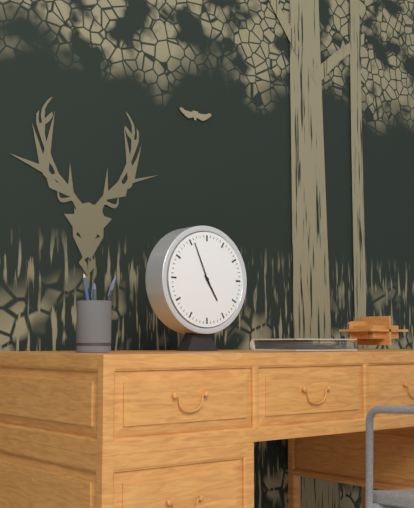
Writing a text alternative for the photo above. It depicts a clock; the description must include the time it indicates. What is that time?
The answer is 4:56
